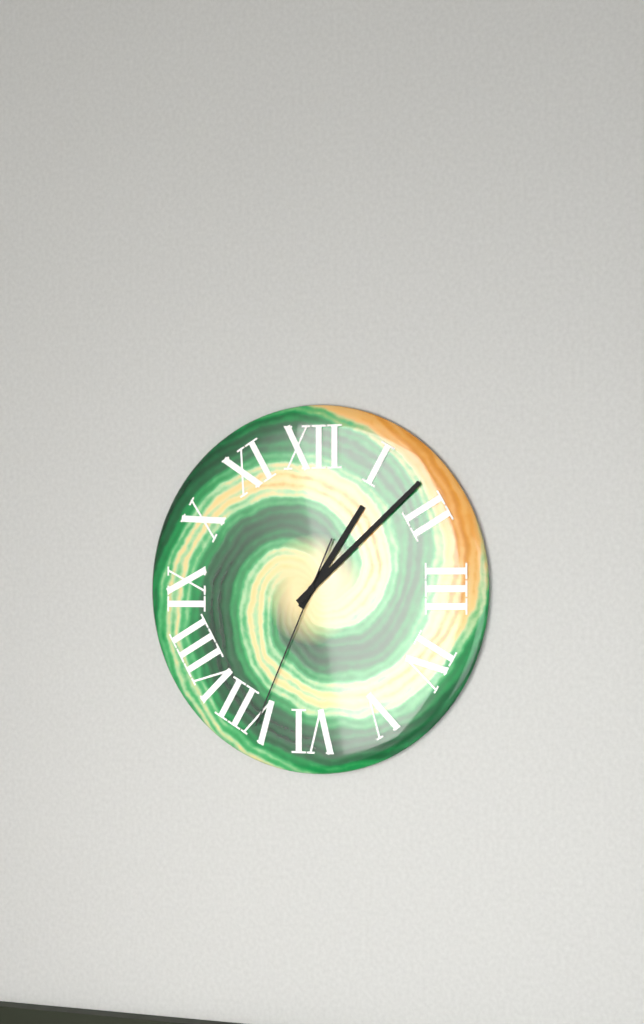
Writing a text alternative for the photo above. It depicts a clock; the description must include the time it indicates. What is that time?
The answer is 1:08:34
